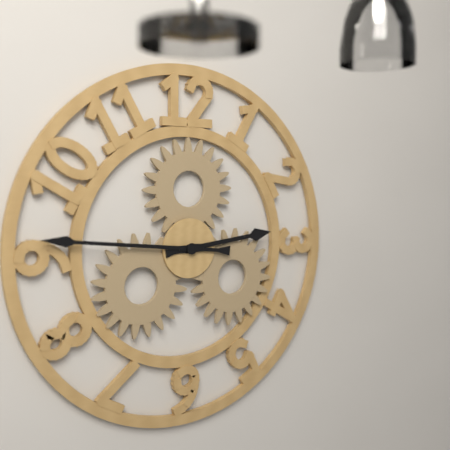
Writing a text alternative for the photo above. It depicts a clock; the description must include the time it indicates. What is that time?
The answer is 2:46
